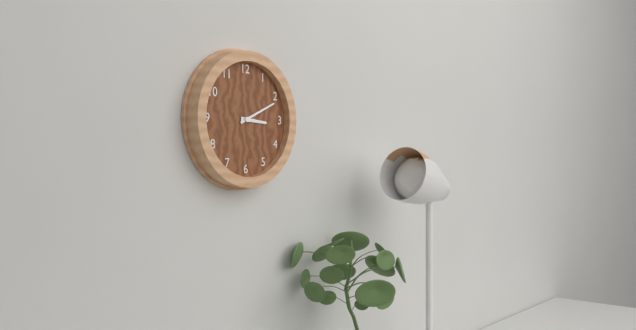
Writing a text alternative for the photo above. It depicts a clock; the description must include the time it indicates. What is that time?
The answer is 3:11
